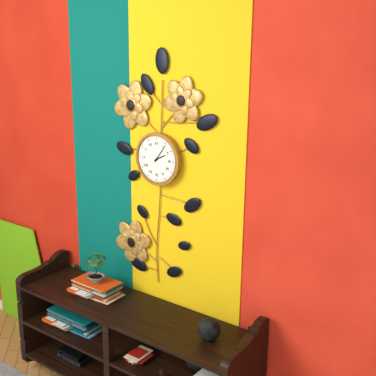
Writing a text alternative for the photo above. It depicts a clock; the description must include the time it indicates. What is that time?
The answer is 2:06
